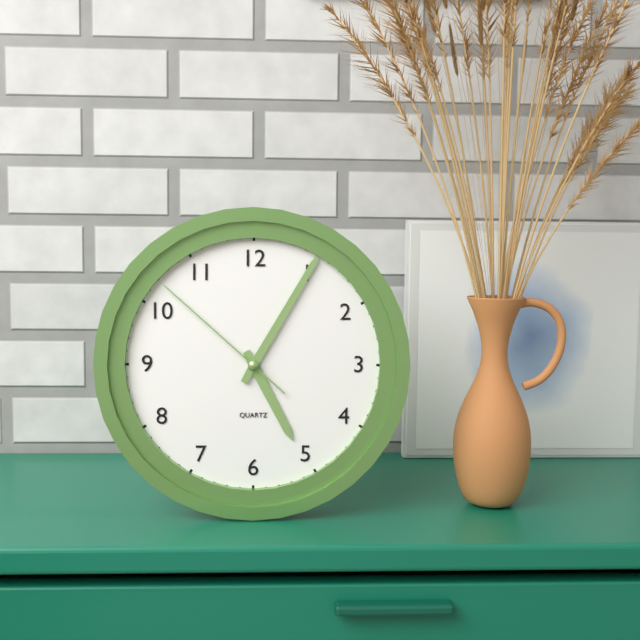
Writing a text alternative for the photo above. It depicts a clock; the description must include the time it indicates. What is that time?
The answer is 5:05:52
